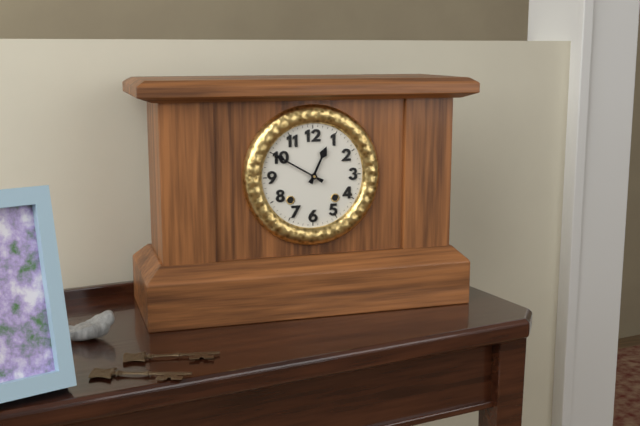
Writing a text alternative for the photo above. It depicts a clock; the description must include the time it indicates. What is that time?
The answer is 12:50
